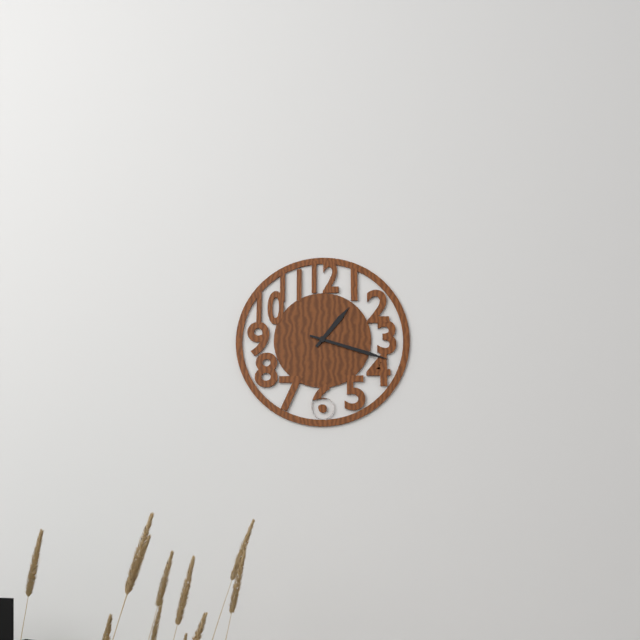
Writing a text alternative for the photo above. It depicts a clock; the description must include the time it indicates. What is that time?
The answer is 1:18
